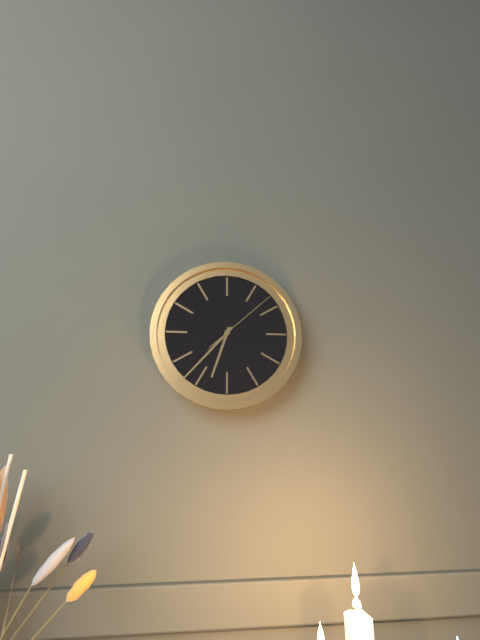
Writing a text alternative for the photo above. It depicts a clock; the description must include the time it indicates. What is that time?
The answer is 6:37:08
